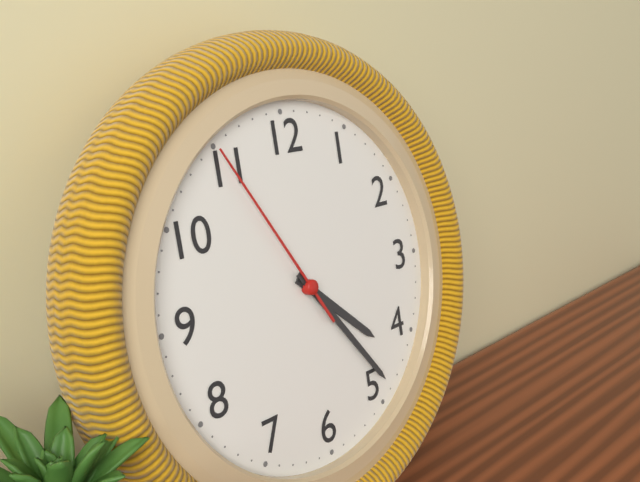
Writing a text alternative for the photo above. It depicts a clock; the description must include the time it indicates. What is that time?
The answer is 4:24:55
